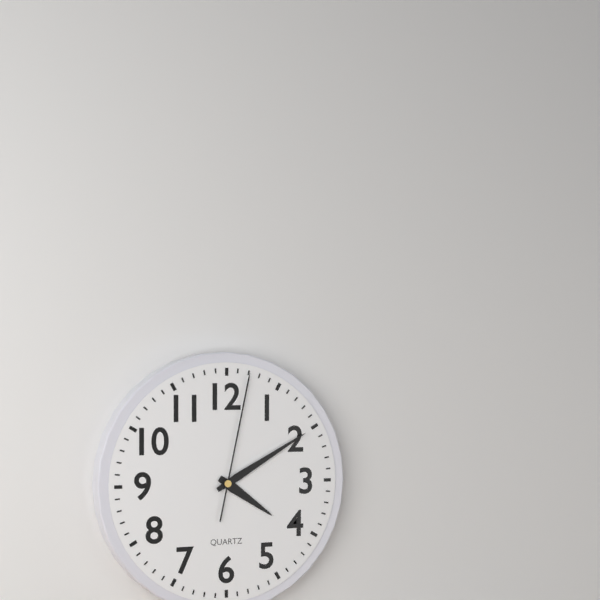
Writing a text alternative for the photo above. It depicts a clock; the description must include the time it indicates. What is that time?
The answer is 4:10:02
